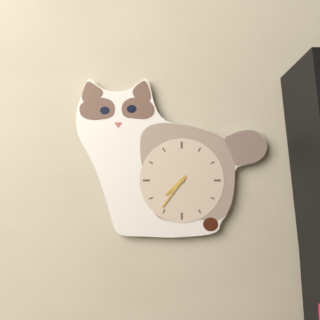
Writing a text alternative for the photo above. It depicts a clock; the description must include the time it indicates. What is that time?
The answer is 7:36
